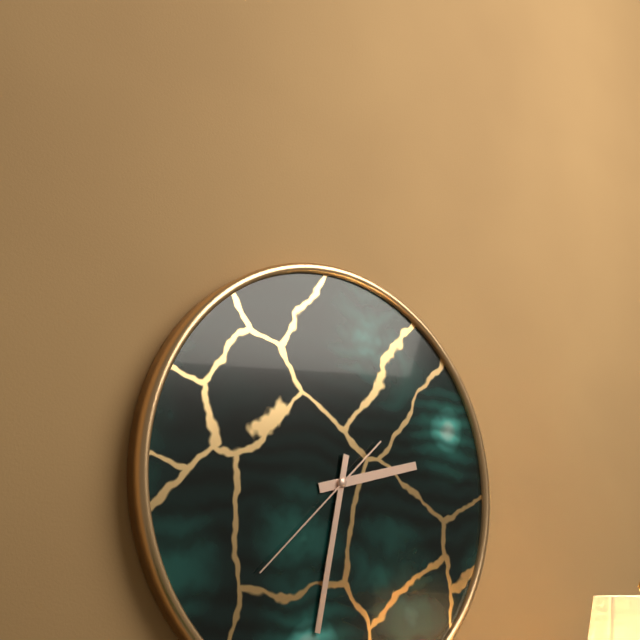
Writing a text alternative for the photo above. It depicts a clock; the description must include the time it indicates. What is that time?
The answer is 2:32:38
